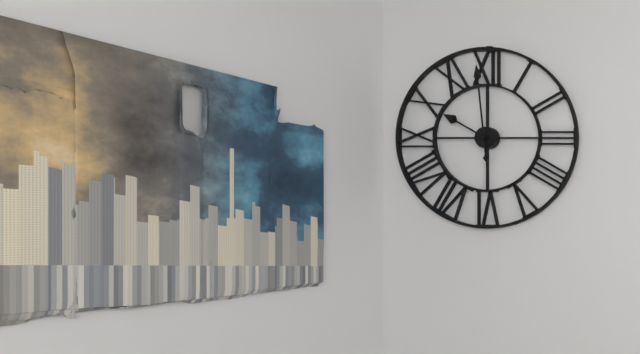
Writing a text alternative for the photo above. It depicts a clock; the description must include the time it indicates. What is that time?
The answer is 9:59
